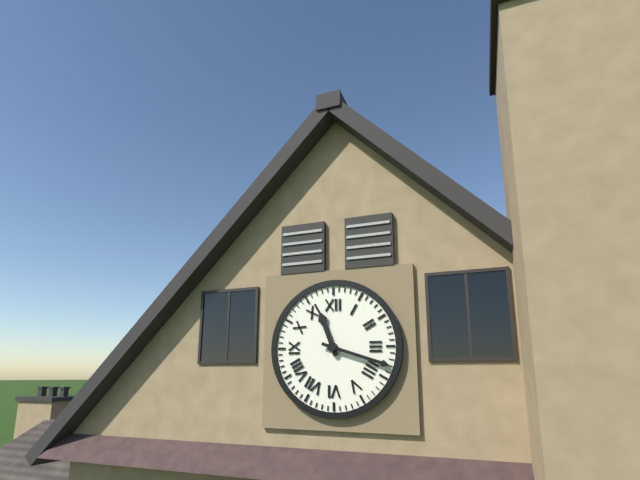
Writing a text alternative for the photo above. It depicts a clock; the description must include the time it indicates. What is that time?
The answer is 11:18
